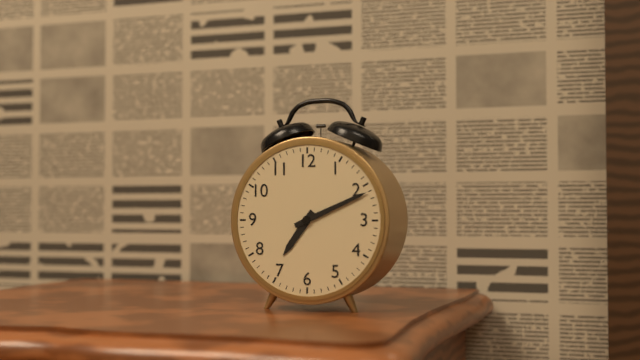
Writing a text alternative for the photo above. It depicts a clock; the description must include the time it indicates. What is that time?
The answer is 7:11
